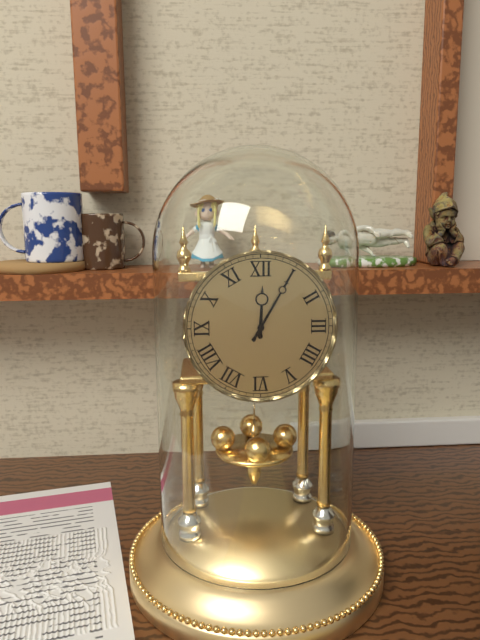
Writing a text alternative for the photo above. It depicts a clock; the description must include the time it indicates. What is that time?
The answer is 12:05
